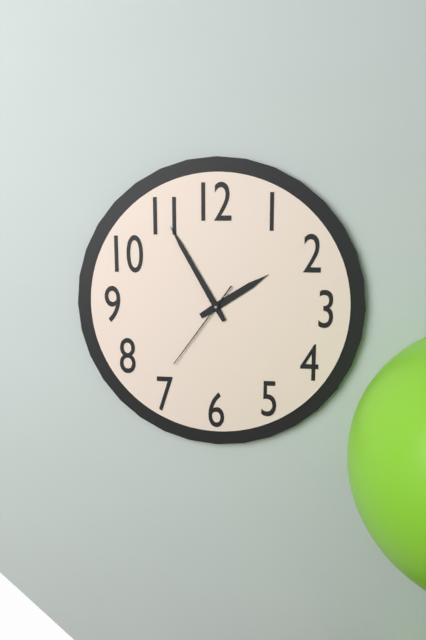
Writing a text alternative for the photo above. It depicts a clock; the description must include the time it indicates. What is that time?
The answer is 1:55:36
